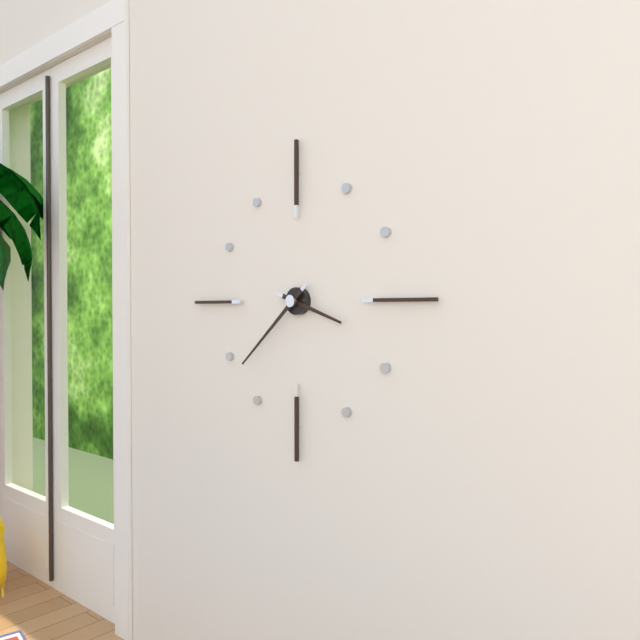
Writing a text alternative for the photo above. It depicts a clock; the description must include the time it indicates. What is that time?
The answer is 3:38
